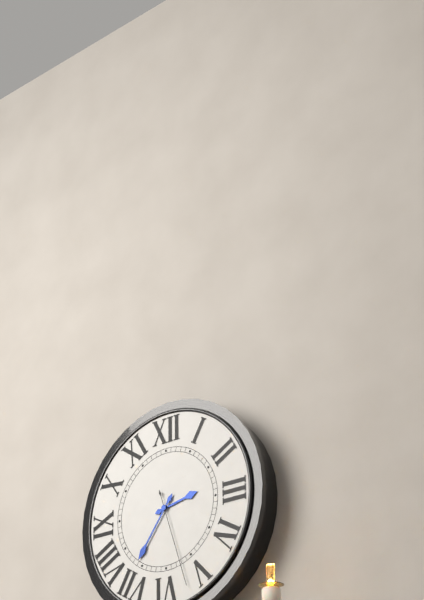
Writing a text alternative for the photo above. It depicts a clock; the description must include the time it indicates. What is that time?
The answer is 2:36:27
